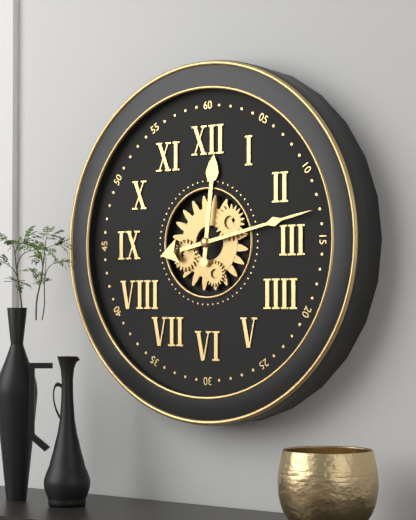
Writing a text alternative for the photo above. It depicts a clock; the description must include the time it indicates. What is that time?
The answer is 12:13
